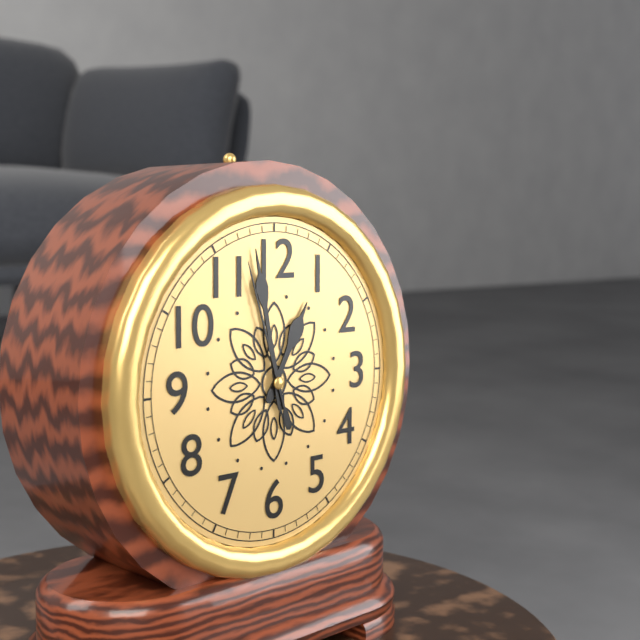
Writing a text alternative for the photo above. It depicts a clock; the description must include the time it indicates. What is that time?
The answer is 12:58:57
